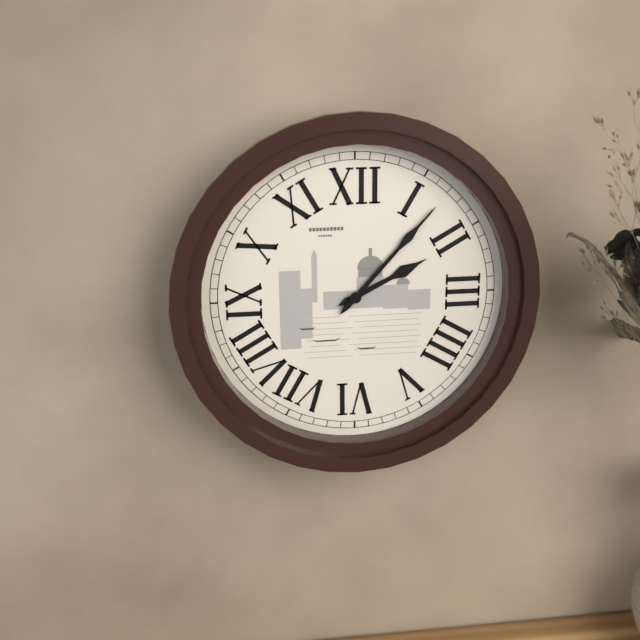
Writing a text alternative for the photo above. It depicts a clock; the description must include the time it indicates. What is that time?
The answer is 2:07
